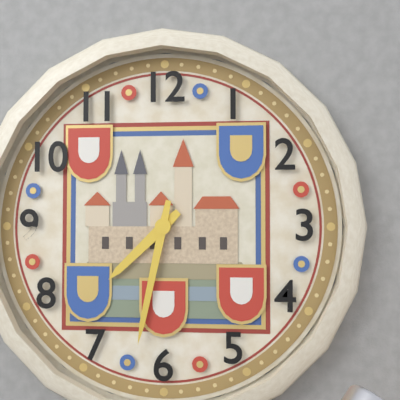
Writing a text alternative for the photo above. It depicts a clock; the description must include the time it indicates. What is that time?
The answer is 7:32
